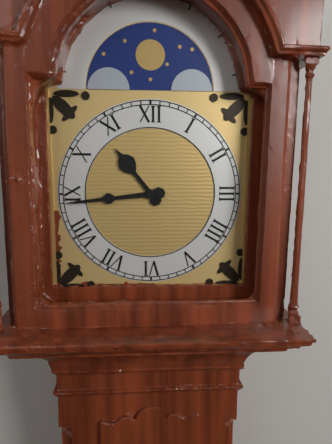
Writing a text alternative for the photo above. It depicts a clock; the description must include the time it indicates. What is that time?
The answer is 10:44
